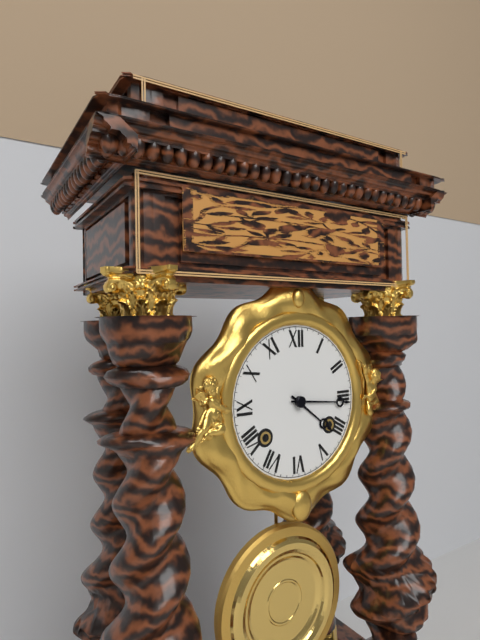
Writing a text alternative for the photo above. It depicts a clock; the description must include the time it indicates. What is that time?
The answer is 4:16
